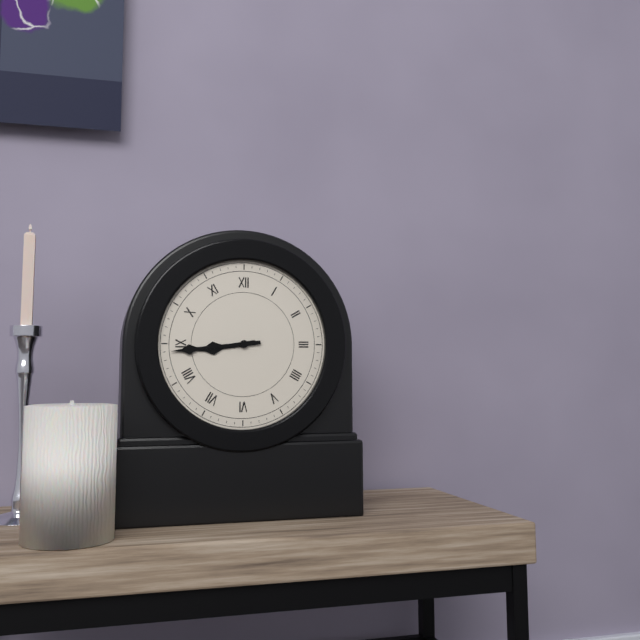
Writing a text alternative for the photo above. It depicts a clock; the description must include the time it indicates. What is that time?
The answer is 8:44
